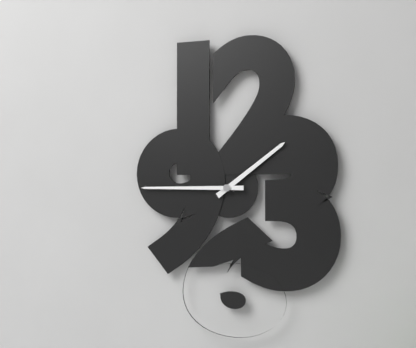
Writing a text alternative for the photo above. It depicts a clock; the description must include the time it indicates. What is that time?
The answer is 1:45
